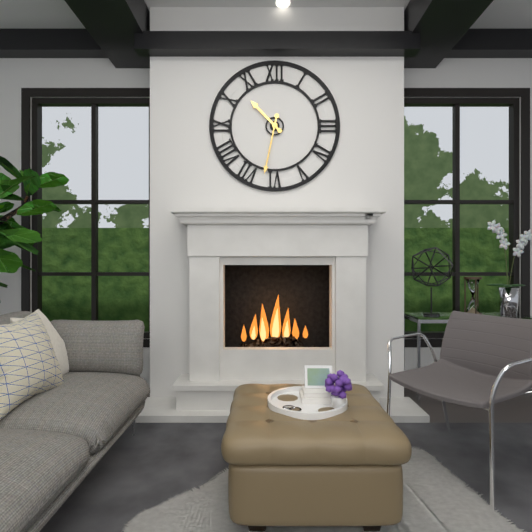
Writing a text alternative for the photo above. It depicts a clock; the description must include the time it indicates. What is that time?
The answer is 10:32
